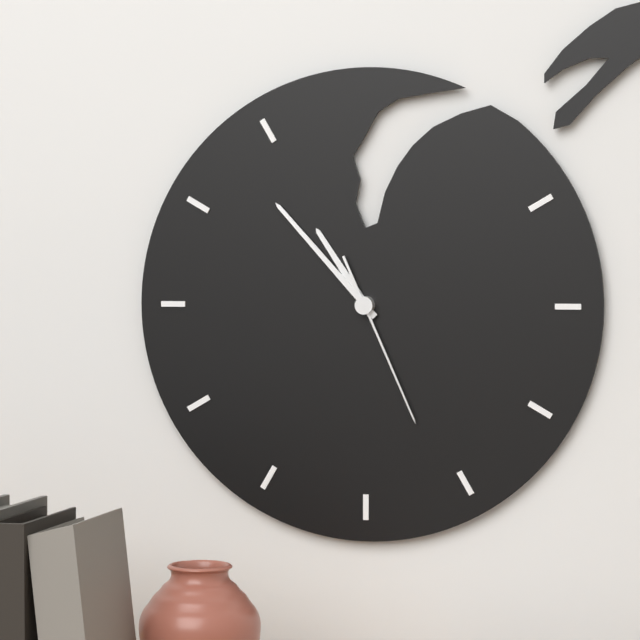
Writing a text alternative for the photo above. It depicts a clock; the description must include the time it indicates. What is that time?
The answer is 10:53:26
